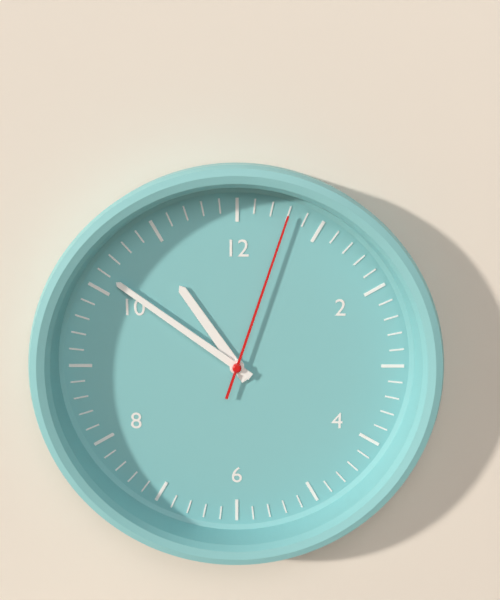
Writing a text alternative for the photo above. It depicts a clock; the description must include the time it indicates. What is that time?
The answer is 10:51:03
